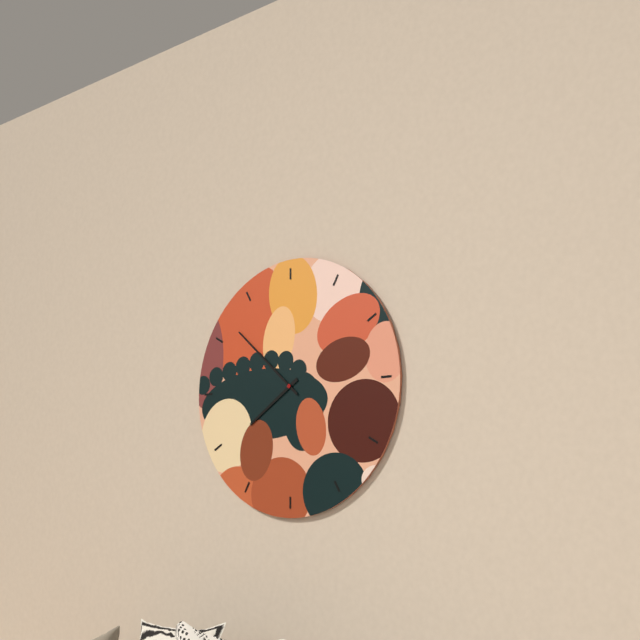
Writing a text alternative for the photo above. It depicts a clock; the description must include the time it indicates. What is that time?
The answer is 7:52
